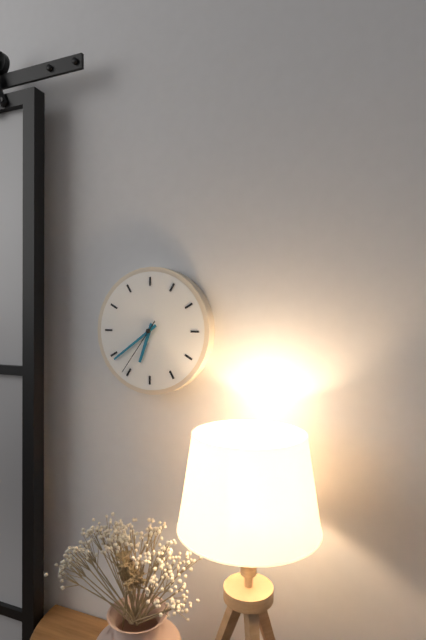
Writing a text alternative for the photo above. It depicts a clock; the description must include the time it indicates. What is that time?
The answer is 6:39:36
